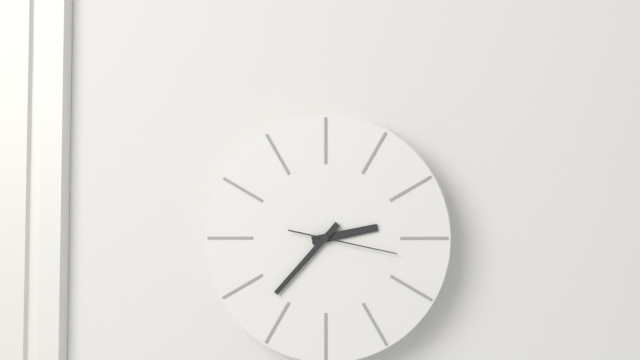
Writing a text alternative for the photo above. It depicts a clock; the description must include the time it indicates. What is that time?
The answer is 2:37:17
